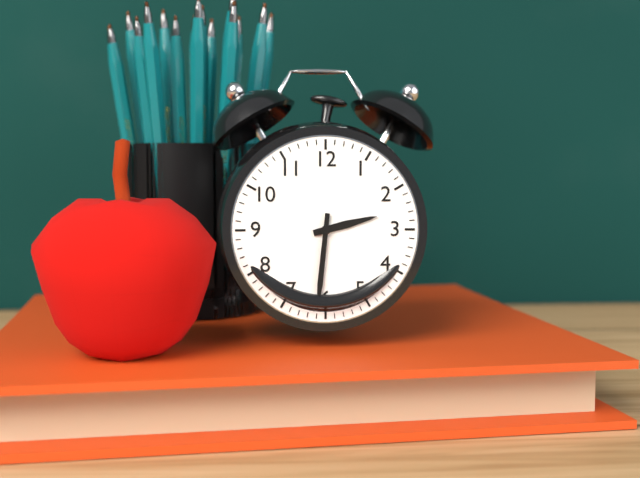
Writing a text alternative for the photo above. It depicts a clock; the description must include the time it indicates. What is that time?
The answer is 2:31
